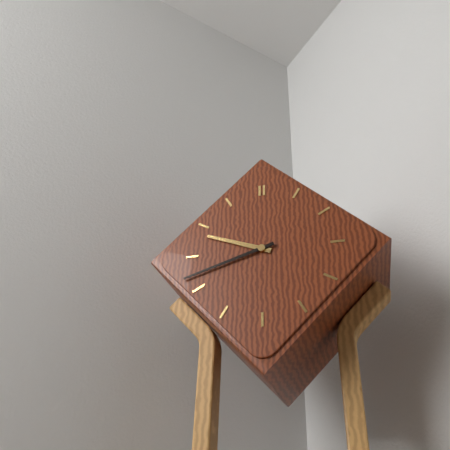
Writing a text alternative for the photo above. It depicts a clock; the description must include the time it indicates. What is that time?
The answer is 9:42
